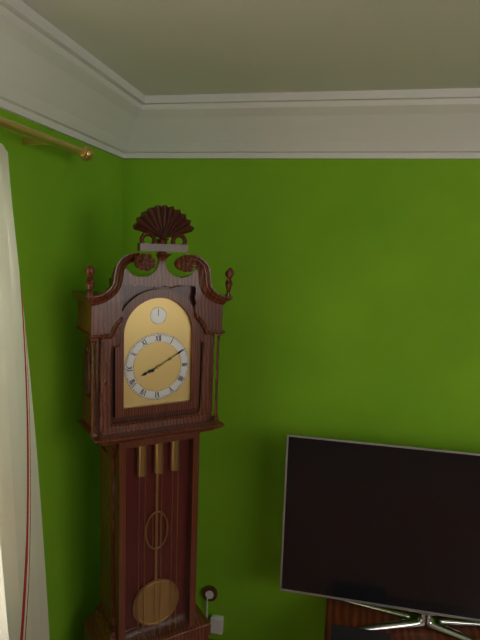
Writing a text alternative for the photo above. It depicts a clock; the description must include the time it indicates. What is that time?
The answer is 8:10
